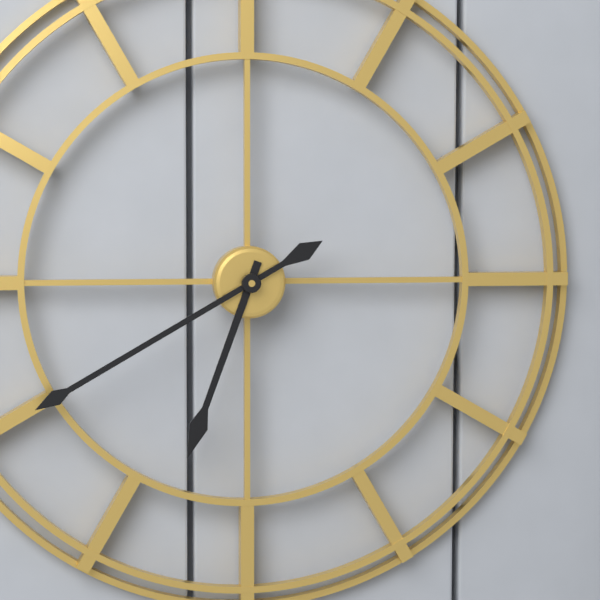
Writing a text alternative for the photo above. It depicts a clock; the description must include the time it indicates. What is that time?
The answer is 6:40
